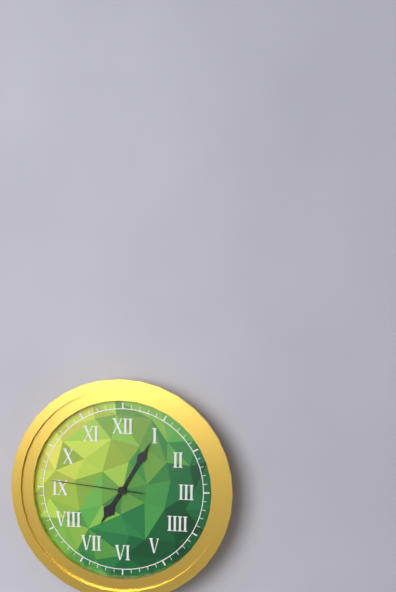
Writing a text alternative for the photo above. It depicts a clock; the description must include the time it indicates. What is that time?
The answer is 7:05:46
